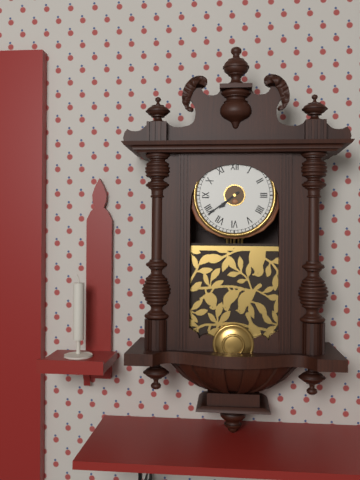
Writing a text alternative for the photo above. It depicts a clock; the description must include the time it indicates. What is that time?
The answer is 7:39
